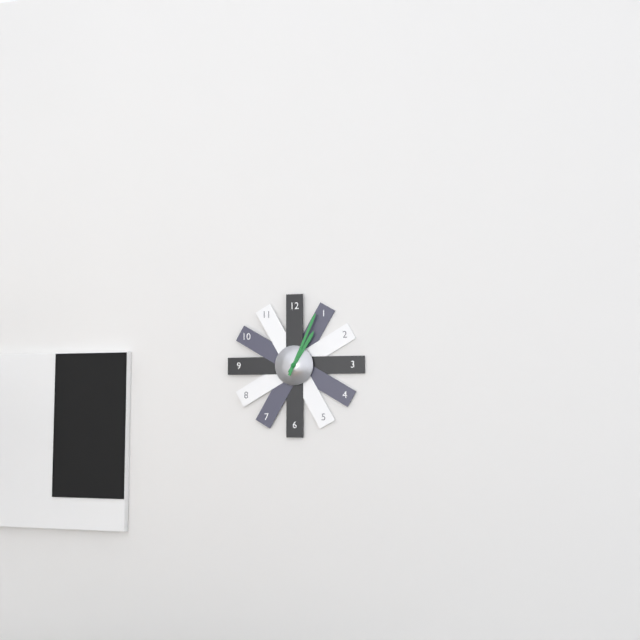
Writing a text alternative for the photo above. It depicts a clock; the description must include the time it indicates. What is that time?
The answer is 1:04
